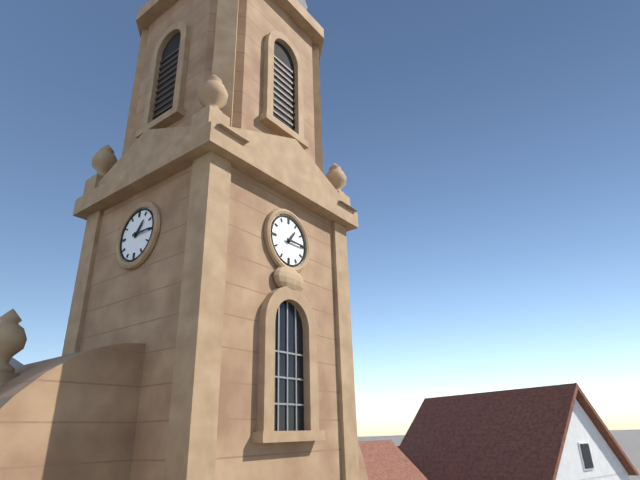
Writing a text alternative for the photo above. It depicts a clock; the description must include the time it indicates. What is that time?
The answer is 1:15
